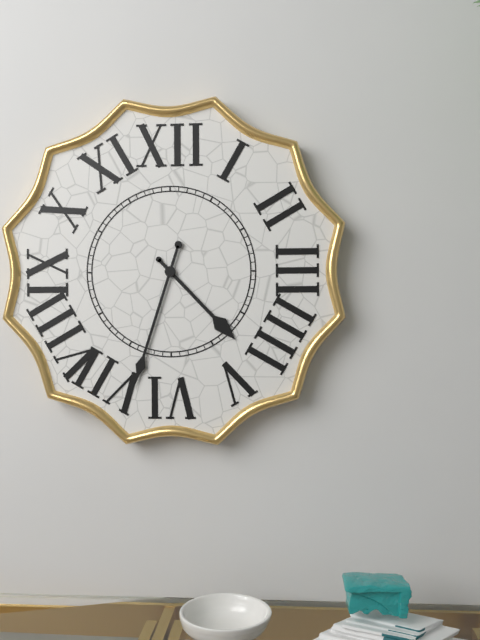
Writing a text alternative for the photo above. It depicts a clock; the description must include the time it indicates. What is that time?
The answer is 4:33
